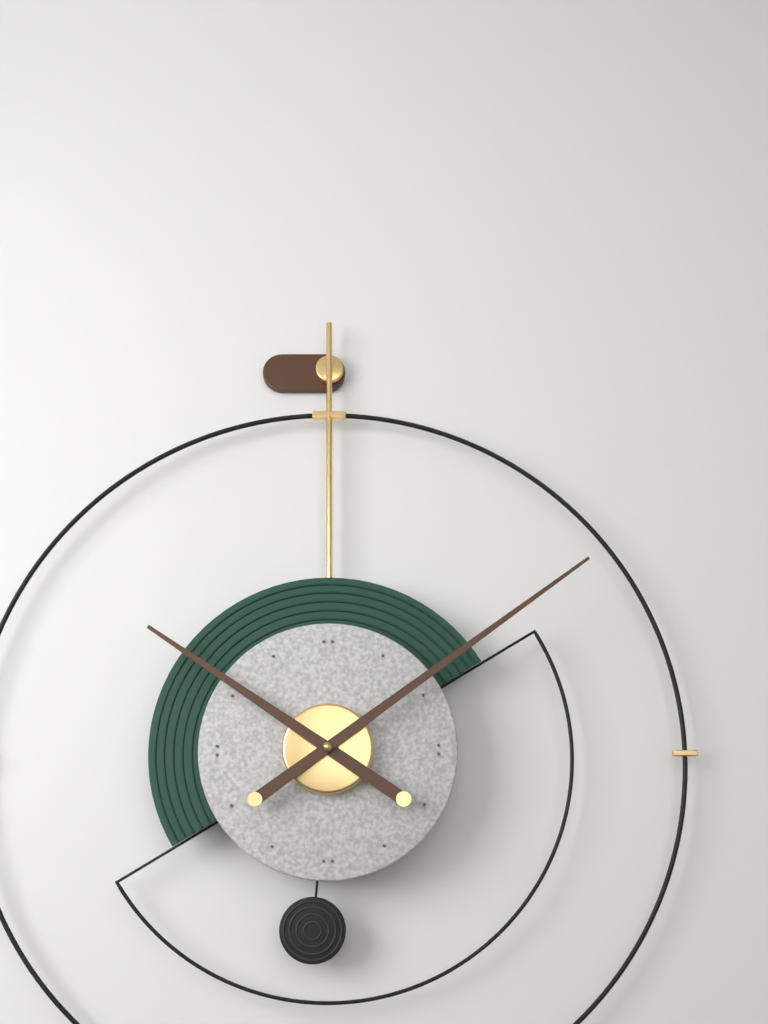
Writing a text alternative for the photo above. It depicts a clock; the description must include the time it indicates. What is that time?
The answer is 10:09
